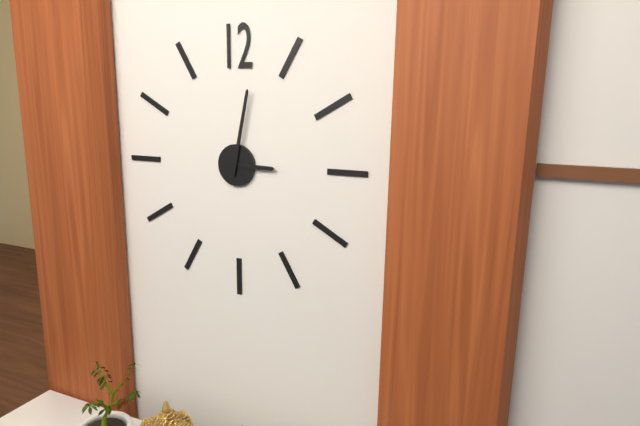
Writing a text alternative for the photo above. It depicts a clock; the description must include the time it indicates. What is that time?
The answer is 3:02
